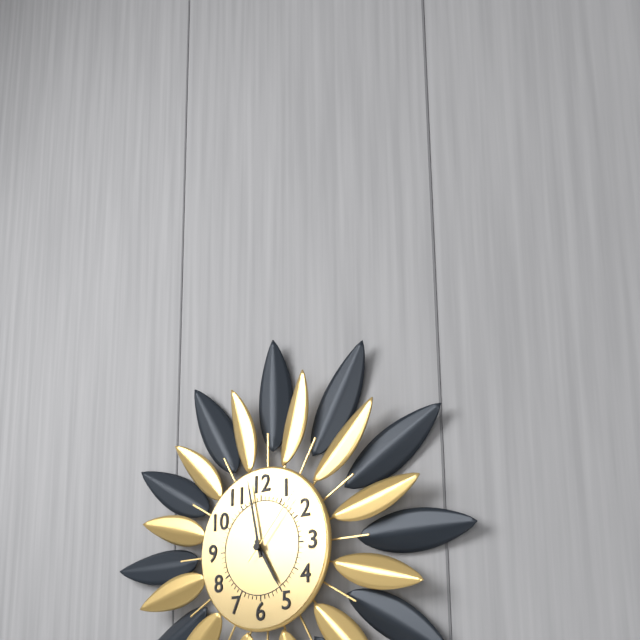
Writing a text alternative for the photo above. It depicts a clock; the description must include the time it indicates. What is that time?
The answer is 4:58:07
